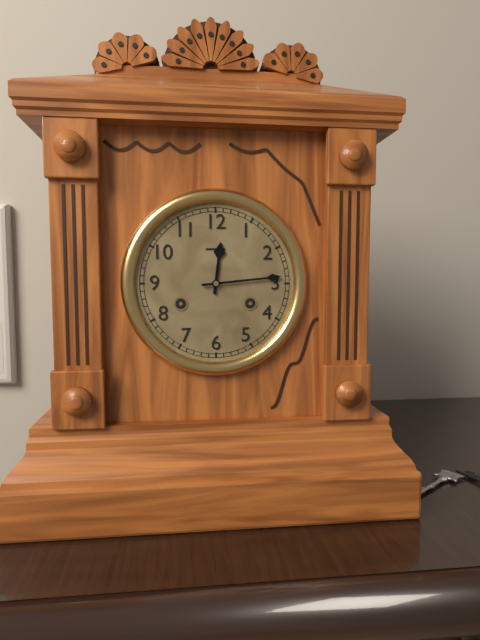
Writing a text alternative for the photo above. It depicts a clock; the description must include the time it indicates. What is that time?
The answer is 12:14
